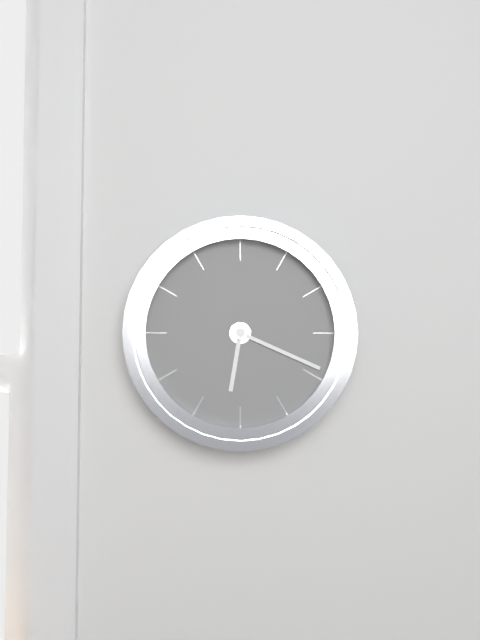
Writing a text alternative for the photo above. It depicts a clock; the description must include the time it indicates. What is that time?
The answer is 6:19
